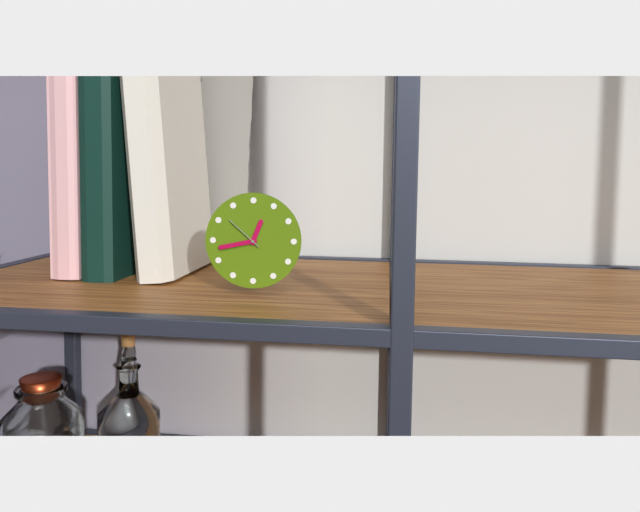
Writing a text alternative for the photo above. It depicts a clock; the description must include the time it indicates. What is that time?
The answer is 12:43
